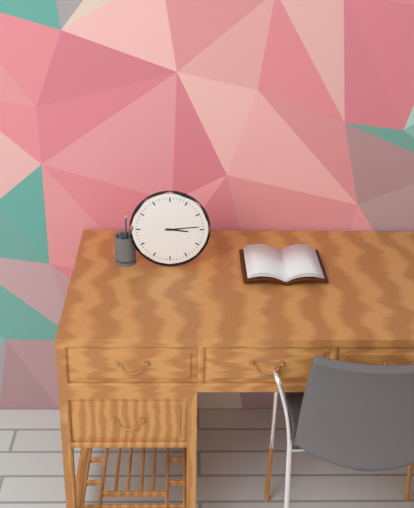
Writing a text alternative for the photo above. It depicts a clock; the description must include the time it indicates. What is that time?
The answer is 3:14
